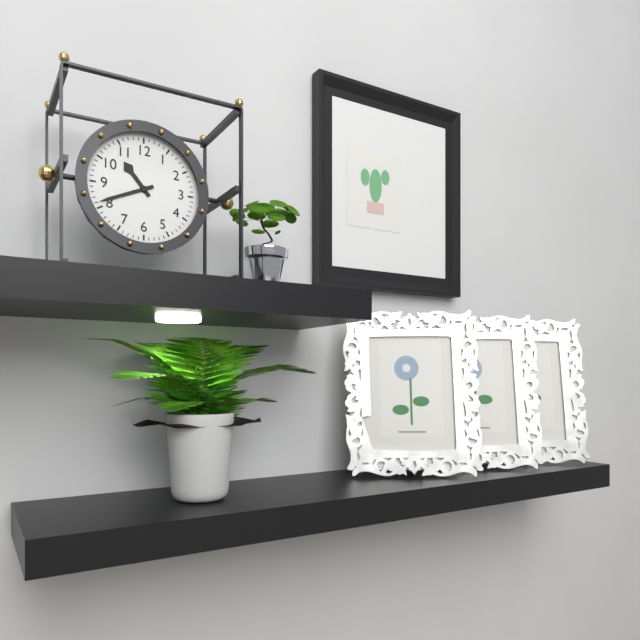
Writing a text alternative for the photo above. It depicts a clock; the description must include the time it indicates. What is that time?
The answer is 10:41
